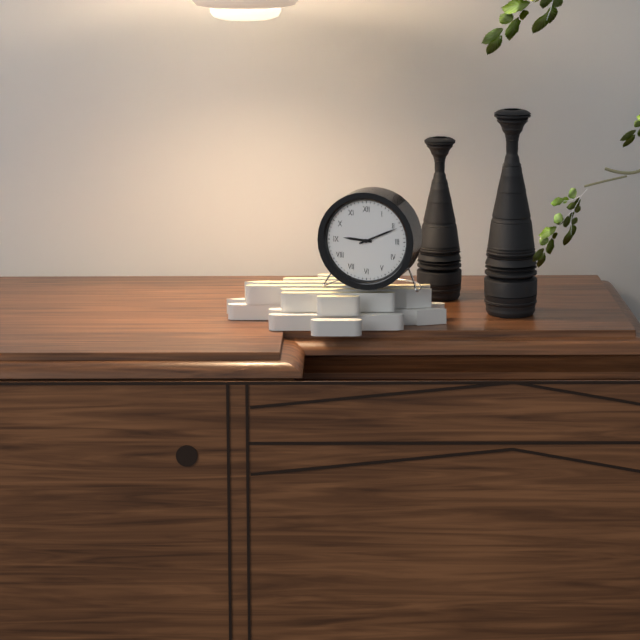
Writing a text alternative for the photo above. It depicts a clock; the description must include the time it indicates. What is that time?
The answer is 9:11
